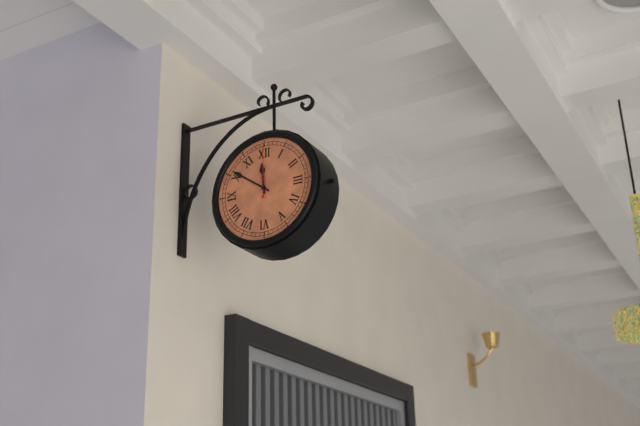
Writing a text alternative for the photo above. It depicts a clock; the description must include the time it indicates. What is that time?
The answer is 11:51:00
